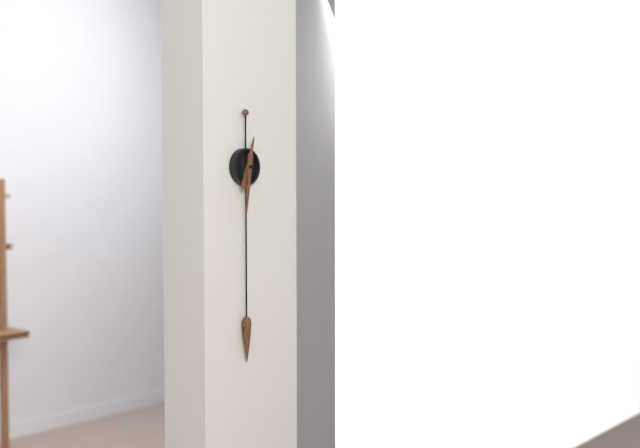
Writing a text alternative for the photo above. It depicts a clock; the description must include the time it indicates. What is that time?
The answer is 12:31
